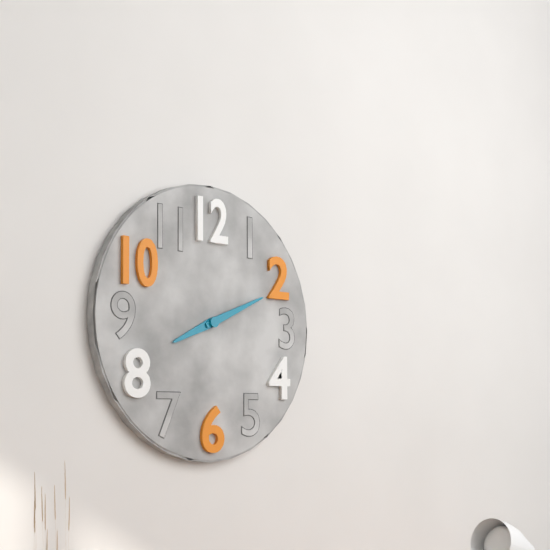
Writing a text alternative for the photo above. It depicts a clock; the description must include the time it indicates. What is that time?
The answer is 8:11
